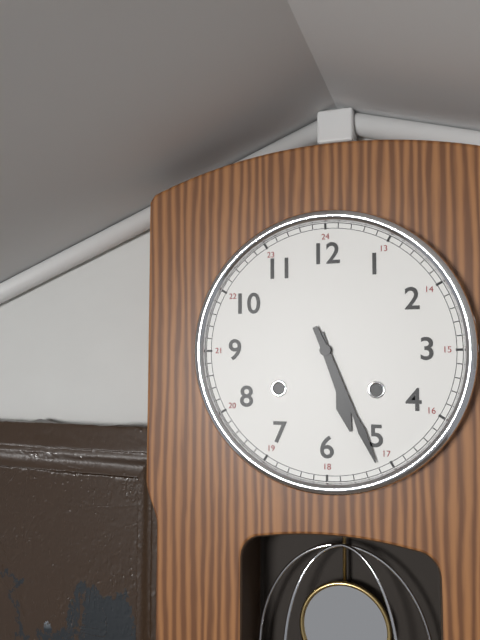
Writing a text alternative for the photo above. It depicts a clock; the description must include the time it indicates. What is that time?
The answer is 5:26
